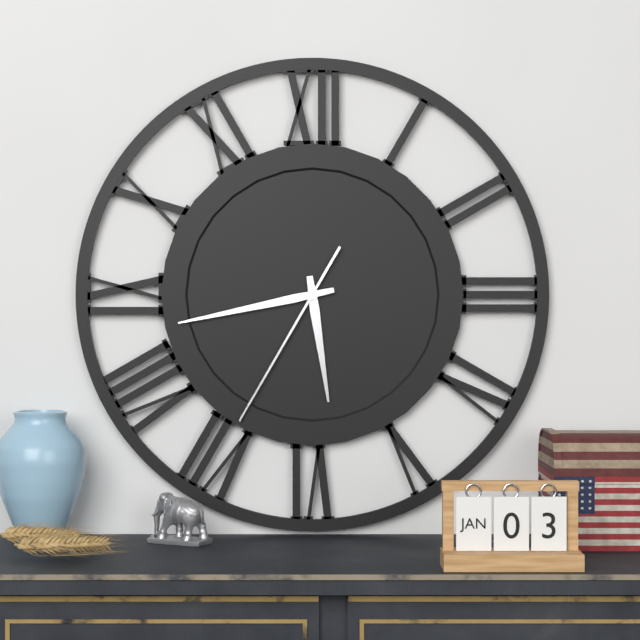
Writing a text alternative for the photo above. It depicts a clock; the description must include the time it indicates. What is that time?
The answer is 5:43:35
